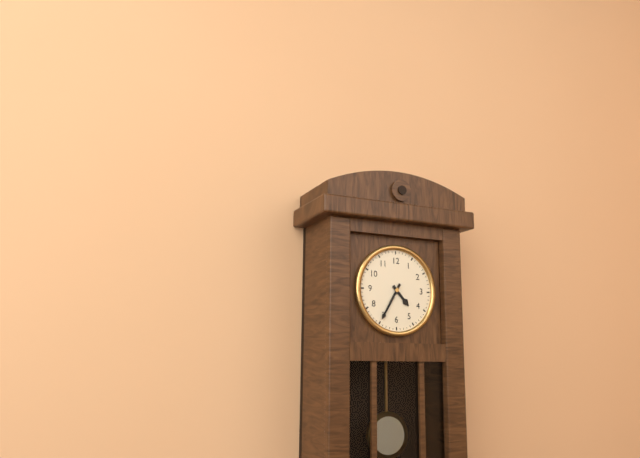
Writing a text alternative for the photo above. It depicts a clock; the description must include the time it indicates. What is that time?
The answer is 4:35
